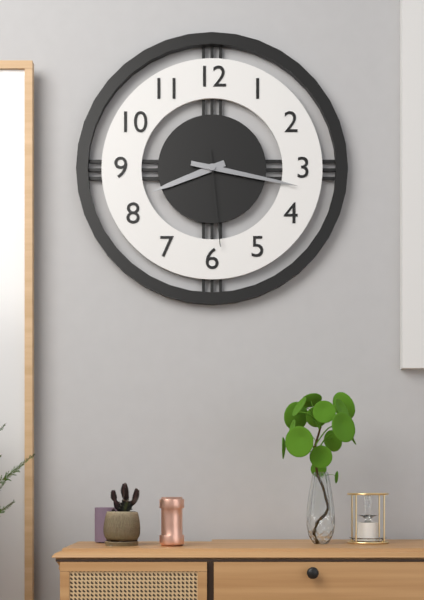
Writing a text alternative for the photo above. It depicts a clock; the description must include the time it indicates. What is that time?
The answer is 8:17:29
